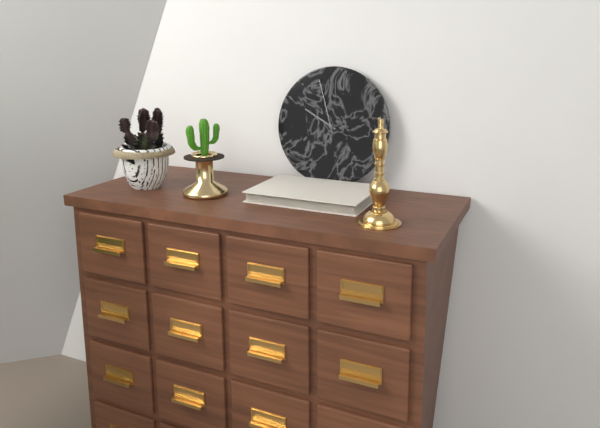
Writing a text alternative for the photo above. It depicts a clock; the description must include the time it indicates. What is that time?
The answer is 9:57
